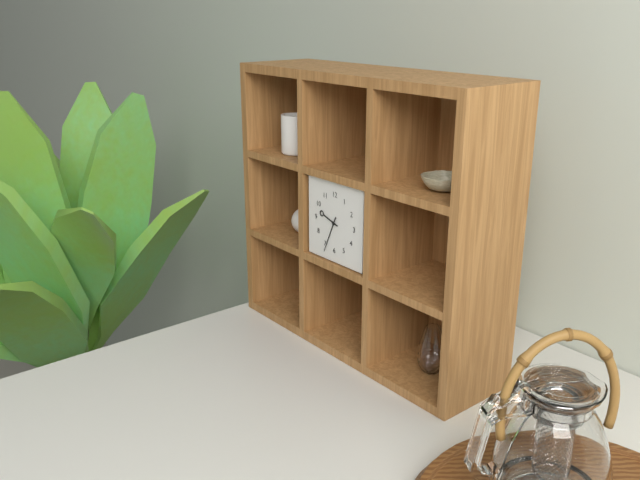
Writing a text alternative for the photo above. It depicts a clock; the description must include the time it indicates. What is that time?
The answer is 9:34
